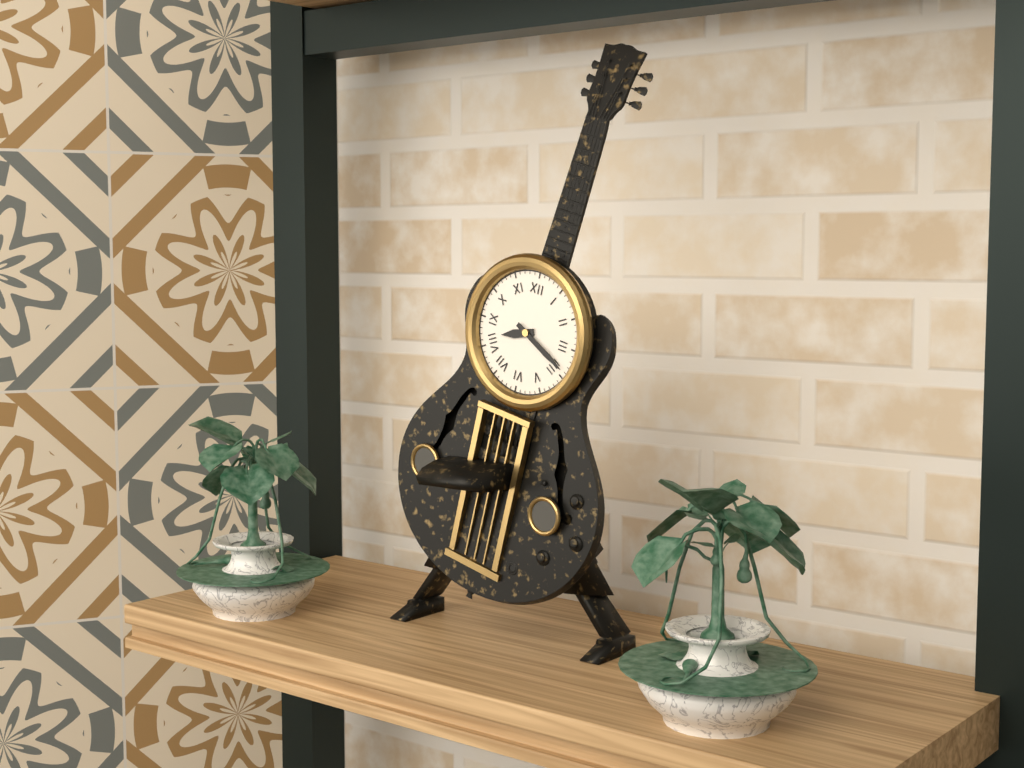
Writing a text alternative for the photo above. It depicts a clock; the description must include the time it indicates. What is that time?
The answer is 8:19
